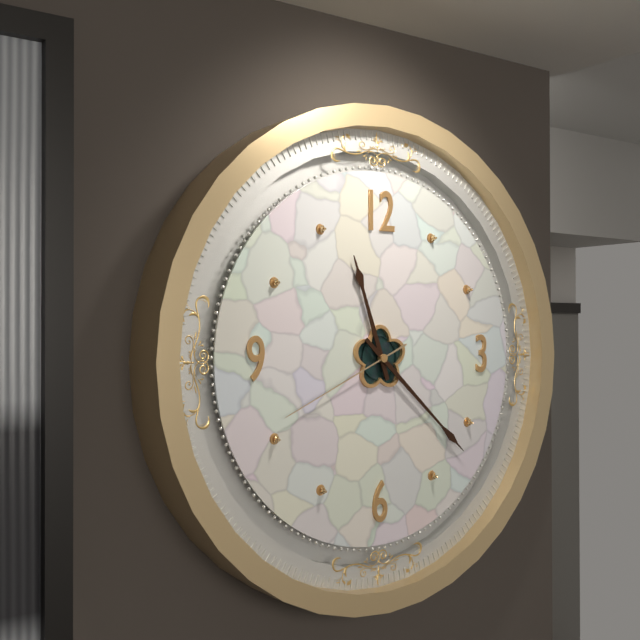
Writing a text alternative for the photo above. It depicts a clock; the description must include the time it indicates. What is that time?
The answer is 11:22:41
